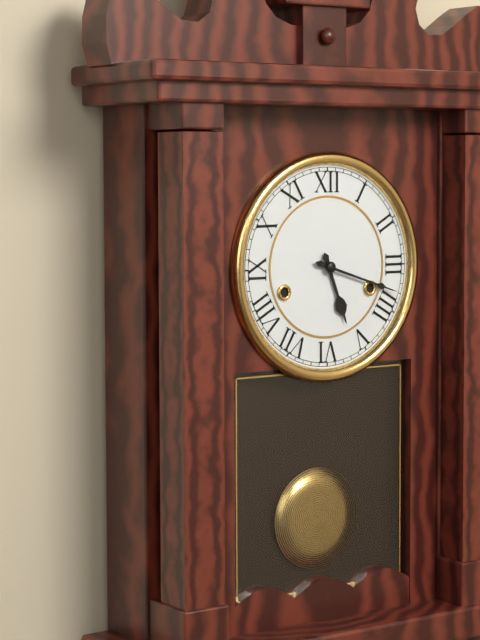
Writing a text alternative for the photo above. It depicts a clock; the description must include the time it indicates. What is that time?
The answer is 5:18
